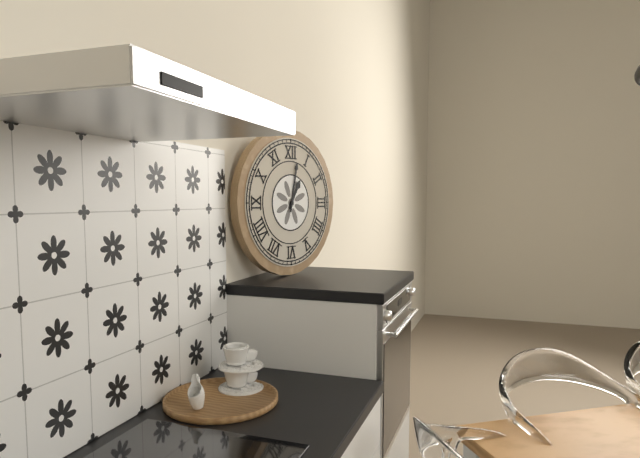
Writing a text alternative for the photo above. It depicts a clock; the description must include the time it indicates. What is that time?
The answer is 1:02
